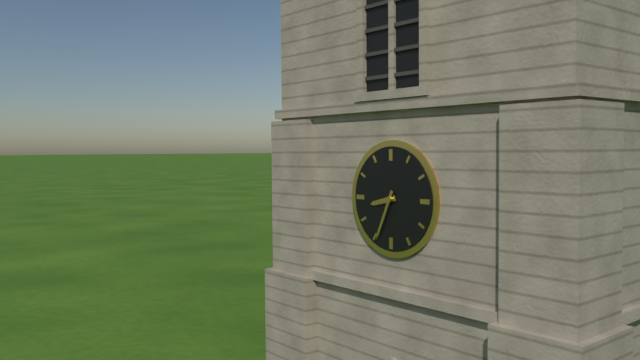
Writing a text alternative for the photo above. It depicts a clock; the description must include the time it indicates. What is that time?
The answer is 8:34
